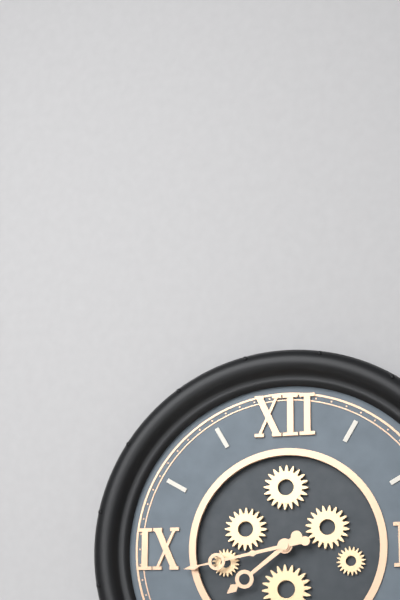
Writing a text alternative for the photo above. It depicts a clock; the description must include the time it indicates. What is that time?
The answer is 7:43
